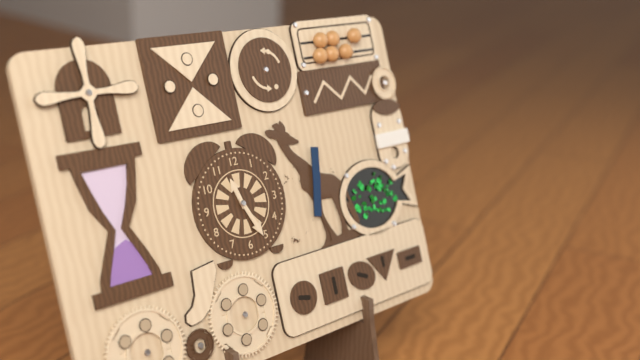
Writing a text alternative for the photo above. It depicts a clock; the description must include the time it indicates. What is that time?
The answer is 11:26
